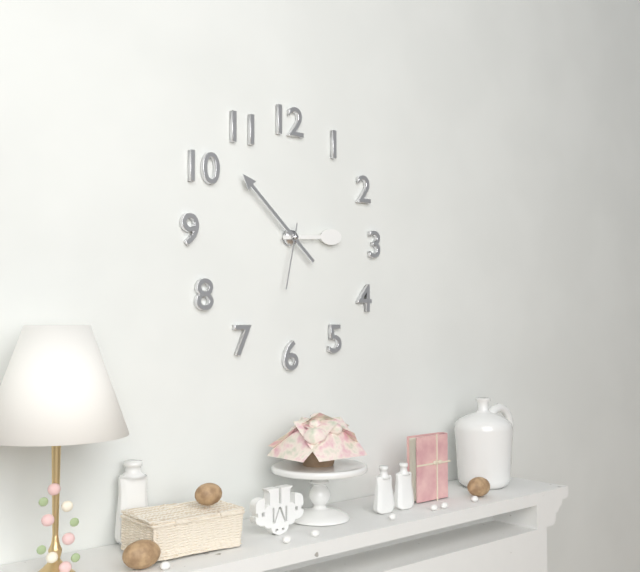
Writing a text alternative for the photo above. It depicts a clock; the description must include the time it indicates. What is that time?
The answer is 2:52:32
